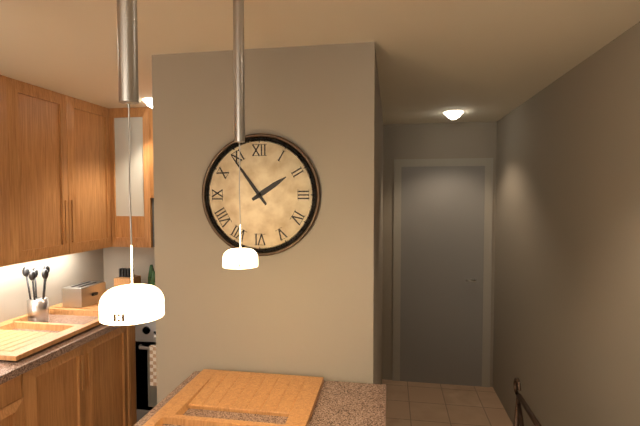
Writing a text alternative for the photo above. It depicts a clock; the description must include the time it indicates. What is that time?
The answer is 1:54
